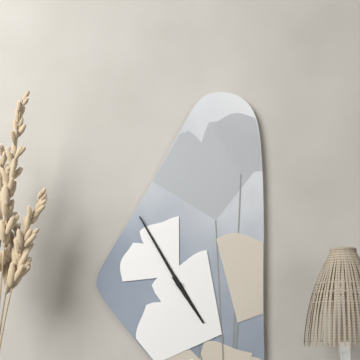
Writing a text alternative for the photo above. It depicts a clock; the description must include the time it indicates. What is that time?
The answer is 4:55
